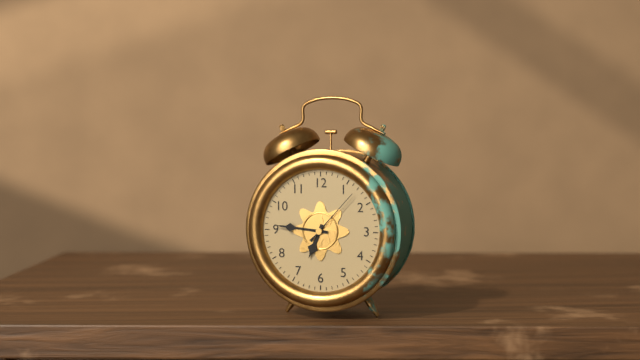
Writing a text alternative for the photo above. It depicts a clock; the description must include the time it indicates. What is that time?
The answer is 6:46:07
